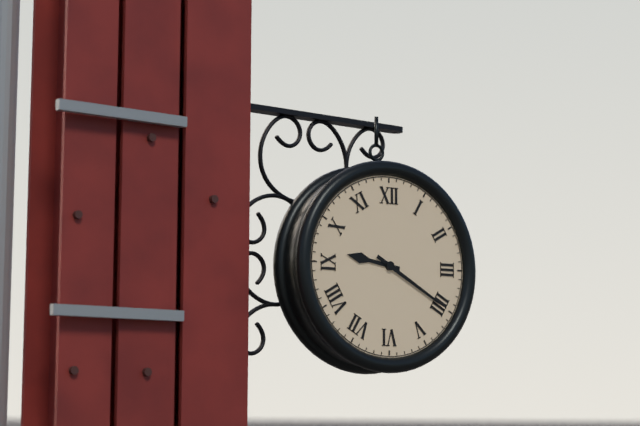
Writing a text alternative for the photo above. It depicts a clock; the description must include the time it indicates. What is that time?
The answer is 9:20
